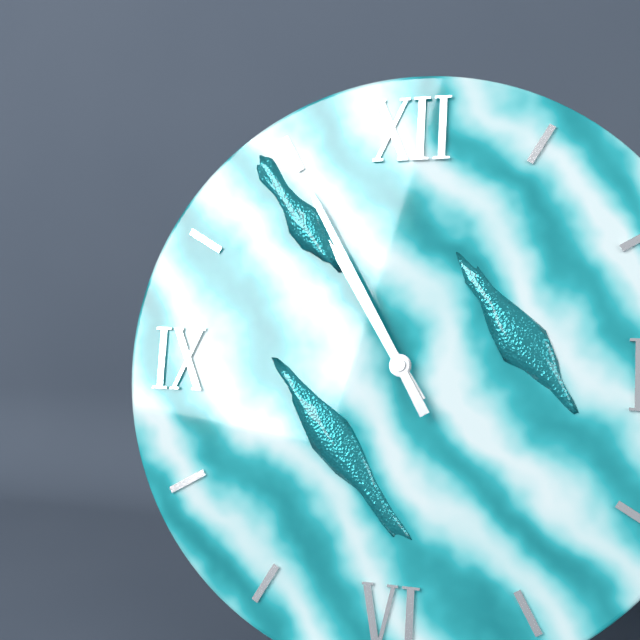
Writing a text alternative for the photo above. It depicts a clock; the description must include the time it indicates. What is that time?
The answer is 10:55
